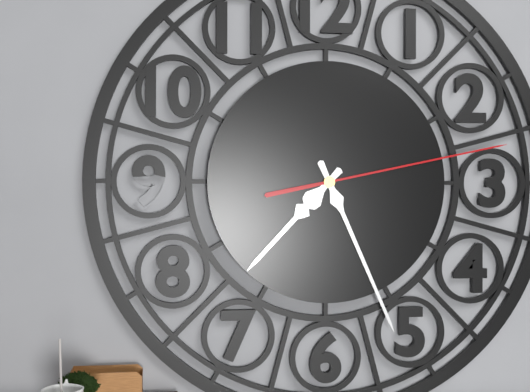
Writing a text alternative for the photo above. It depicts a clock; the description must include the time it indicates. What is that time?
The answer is 7:26:13
